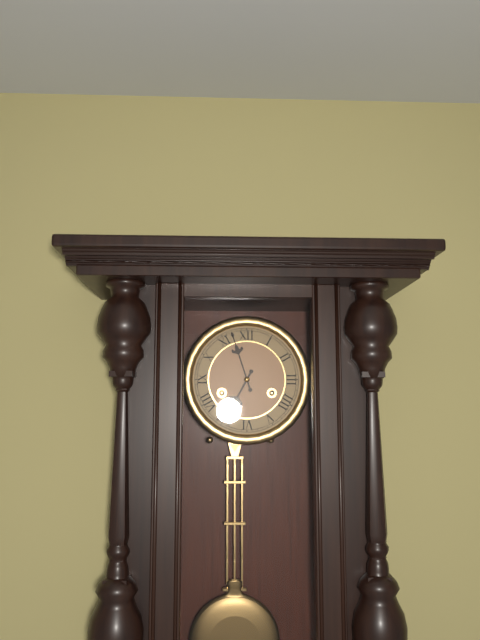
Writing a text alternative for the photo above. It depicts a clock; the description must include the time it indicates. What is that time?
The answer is 6:57
